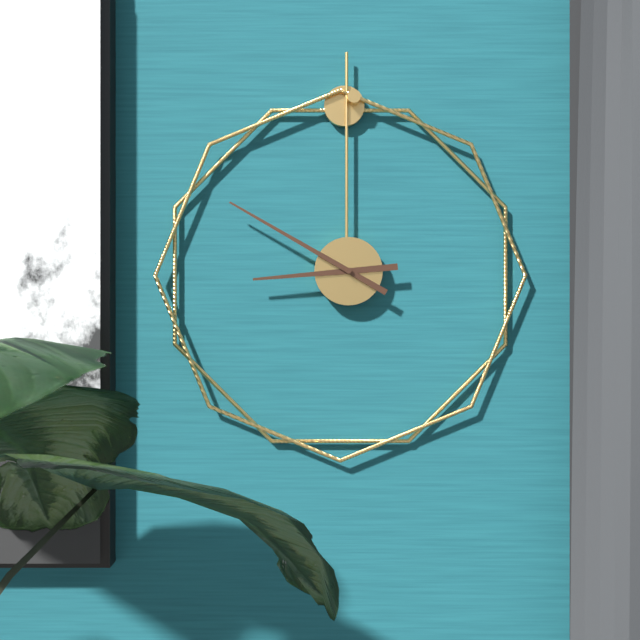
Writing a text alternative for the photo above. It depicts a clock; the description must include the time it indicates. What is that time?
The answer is 8:50
